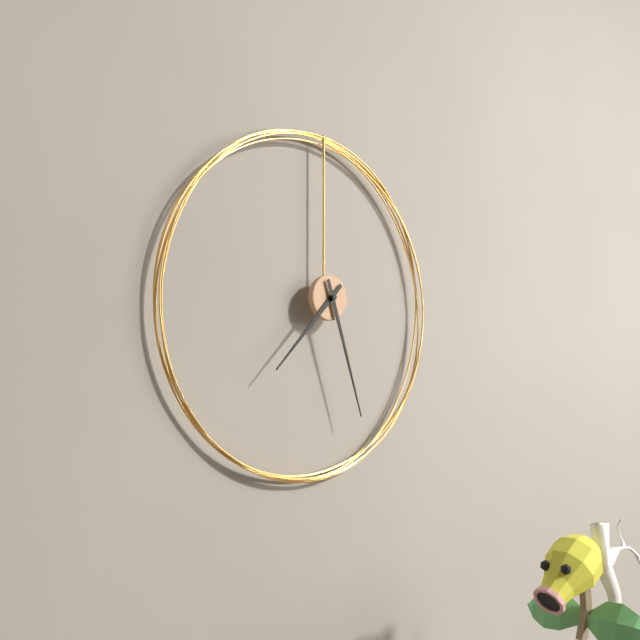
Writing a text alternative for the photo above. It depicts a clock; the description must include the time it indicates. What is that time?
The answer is 7:27
